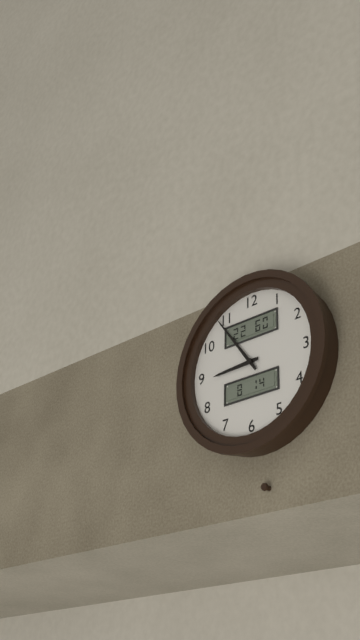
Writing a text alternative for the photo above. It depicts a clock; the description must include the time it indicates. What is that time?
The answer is 8:54
